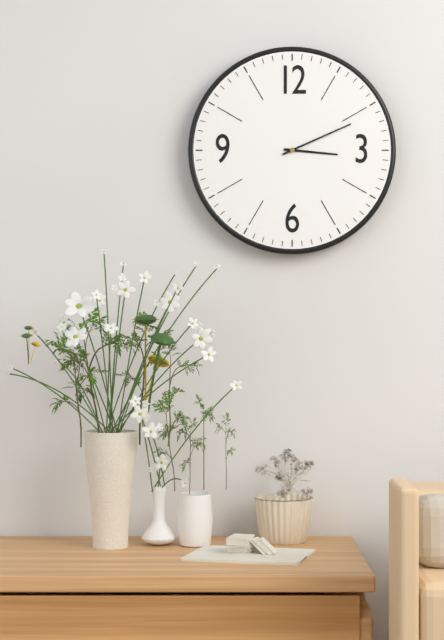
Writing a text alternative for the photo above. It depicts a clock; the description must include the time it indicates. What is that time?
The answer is 3:11
